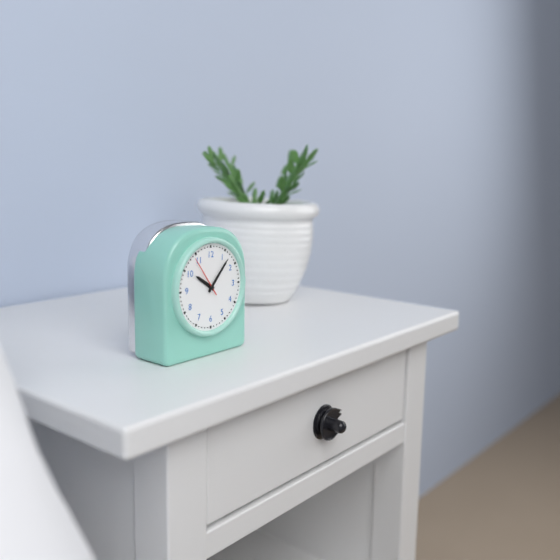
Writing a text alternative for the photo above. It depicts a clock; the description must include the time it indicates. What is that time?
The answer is 10:07
